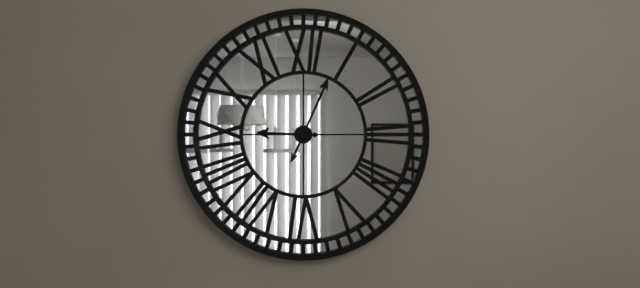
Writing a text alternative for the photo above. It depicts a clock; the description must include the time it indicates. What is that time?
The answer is 9:04
